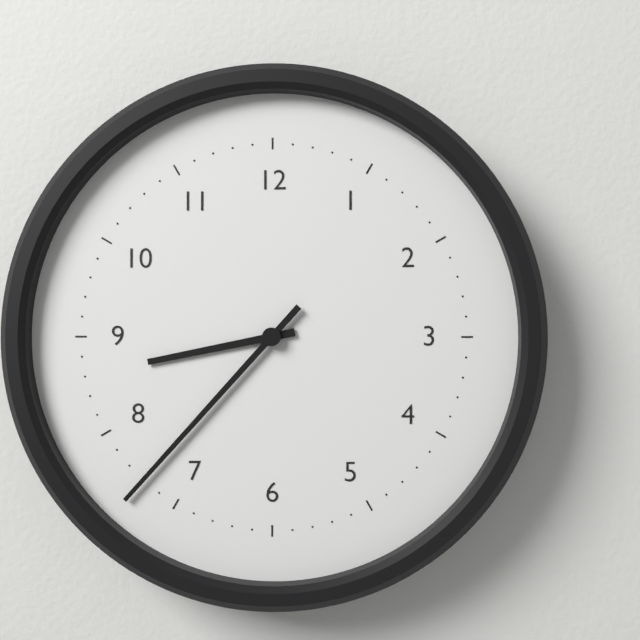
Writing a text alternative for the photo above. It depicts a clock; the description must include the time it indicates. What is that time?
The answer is 8:37
